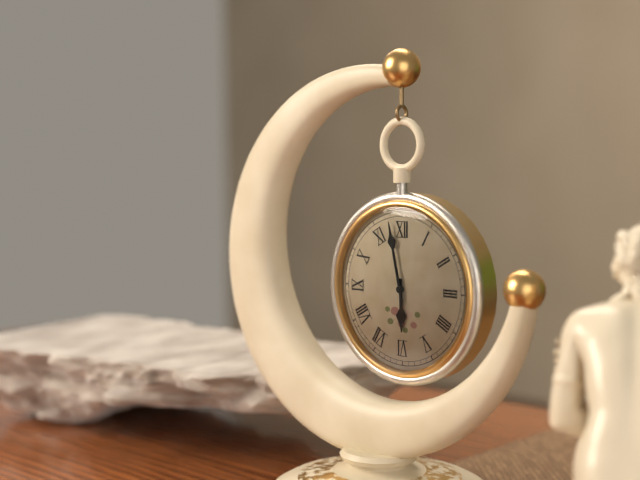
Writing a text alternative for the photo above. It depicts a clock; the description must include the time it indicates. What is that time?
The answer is 5:58
